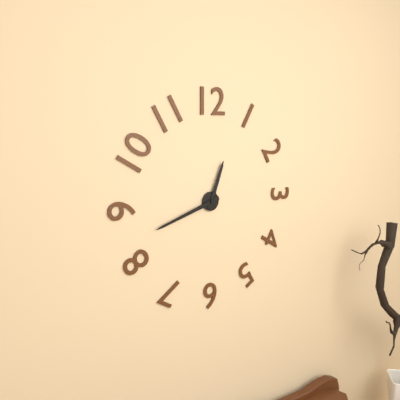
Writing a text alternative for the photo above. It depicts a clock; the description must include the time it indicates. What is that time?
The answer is 12:42
